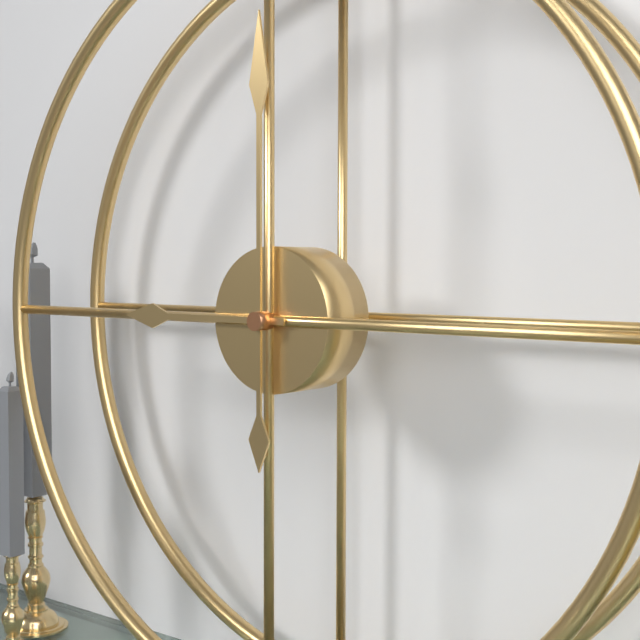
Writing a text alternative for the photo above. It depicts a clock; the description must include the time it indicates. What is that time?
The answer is 9:00
